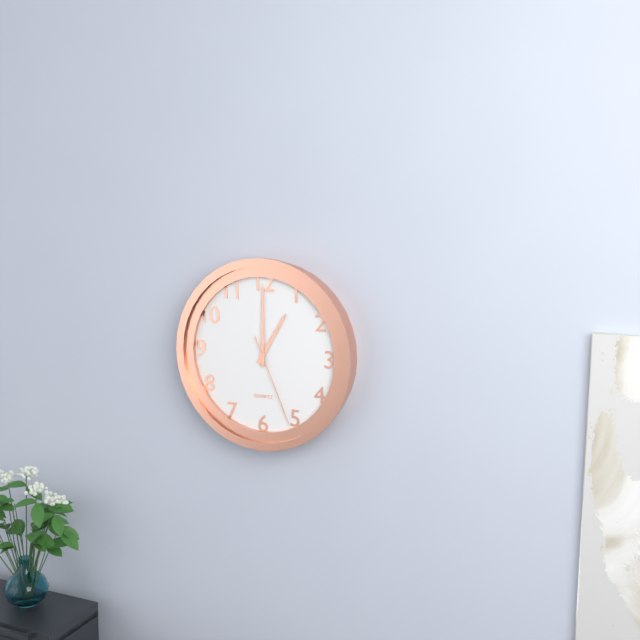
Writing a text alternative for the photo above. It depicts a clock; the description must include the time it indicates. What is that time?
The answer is 1:00:26
